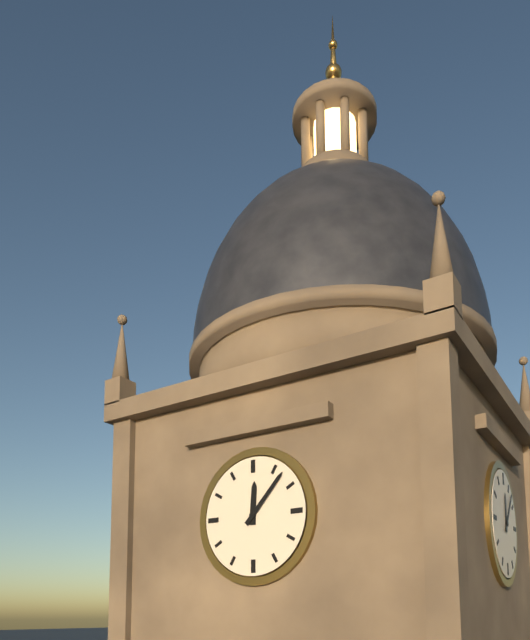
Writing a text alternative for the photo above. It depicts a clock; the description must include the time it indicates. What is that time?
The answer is 12:07
